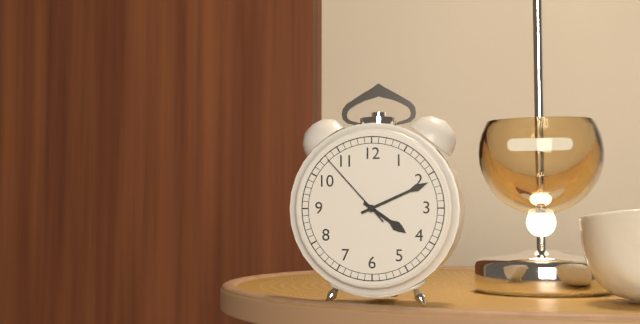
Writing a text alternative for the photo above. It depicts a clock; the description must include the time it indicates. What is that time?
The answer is 4:11:53
